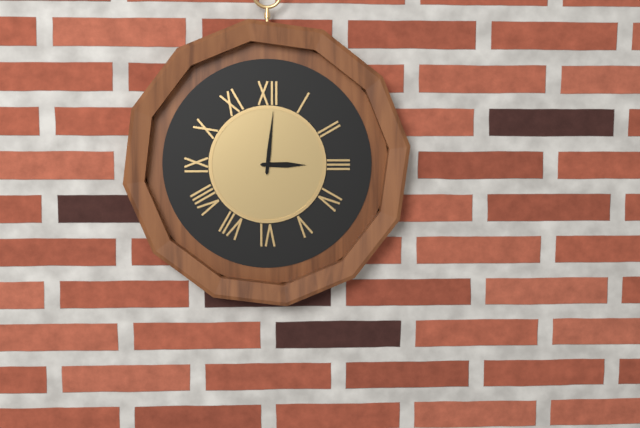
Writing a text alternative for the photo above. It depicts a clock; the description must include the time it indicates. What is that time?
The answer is 3:01
